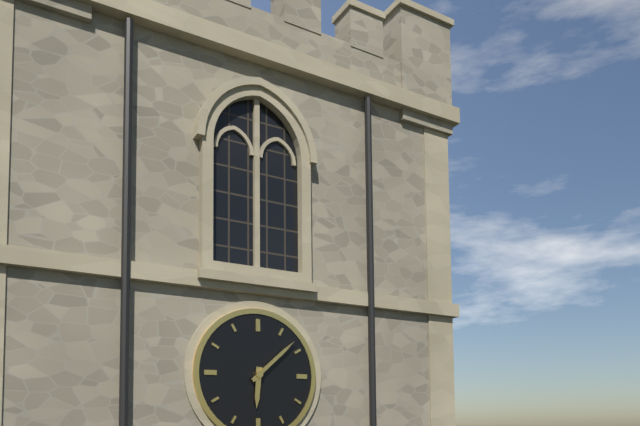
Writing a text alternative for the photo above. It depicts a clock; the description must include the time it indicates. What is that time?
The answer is 6:08
